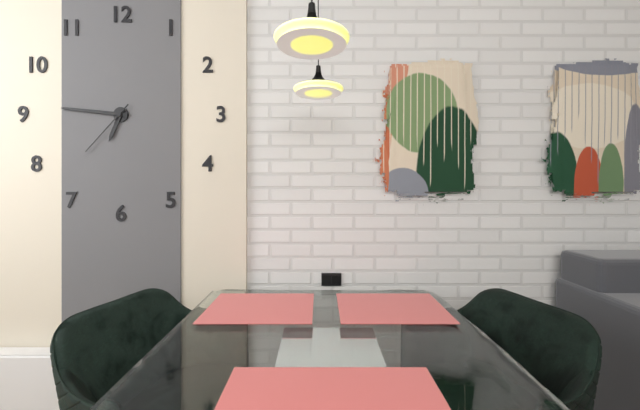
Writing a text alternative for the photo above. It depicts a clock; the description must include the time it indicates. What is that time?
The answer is 6:46:37
